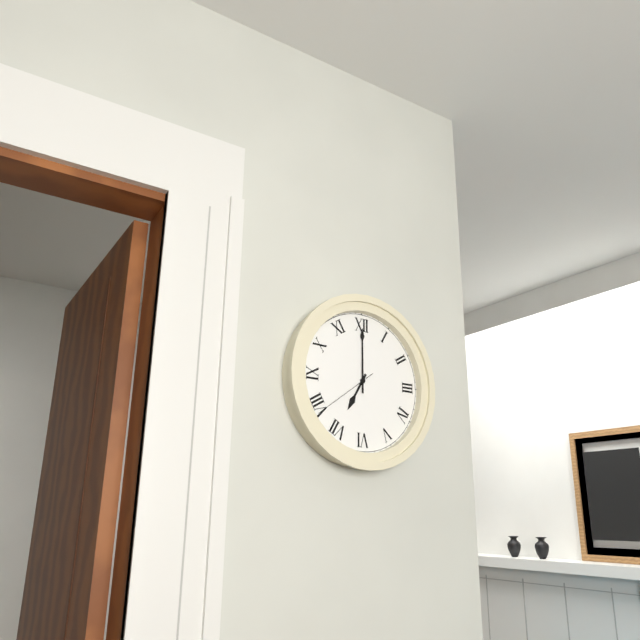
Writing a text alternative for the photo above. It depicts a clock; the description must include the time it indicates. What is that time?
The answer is 7:00:39
